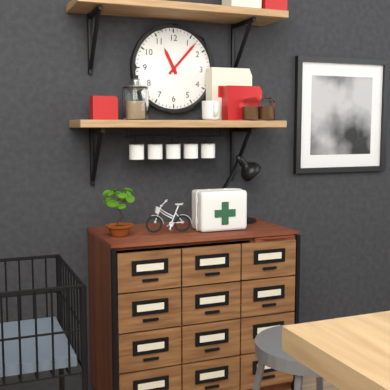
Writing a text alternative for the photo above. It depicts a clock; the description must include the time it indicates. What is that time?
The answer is 11:07
